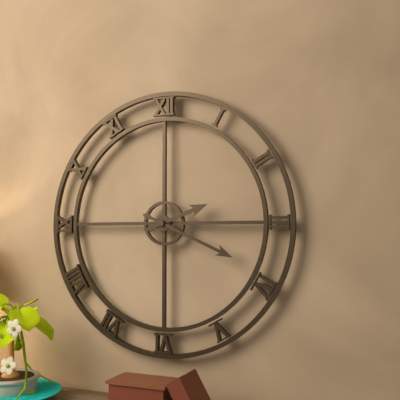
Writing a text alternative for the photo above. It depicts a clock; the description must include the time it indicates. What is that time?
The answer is 2:19
